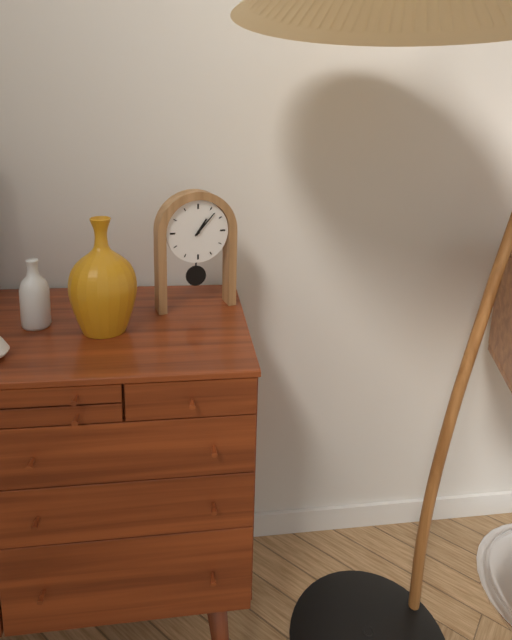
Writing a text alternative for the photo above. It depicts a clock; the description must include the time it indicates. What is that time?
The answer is 1:07
